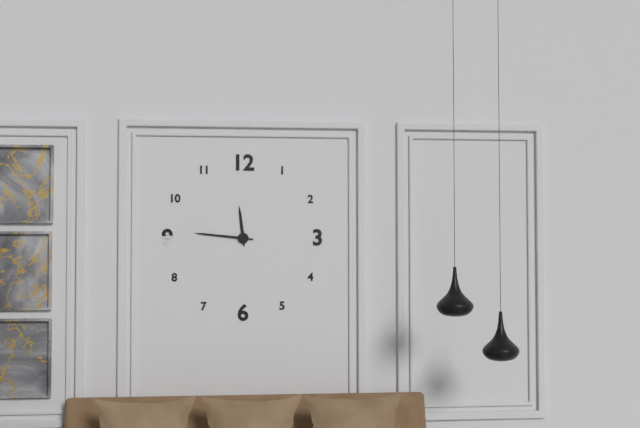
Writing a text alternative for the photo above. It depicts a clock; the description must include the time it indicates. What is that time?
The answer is 11:46
